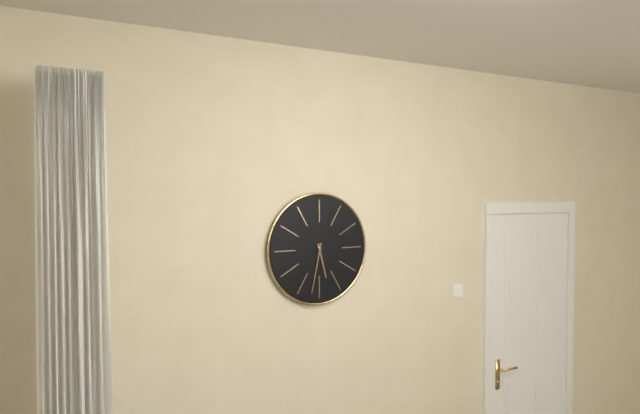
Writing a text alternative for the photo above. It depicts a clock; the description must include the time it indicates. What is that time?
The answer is 5:32
